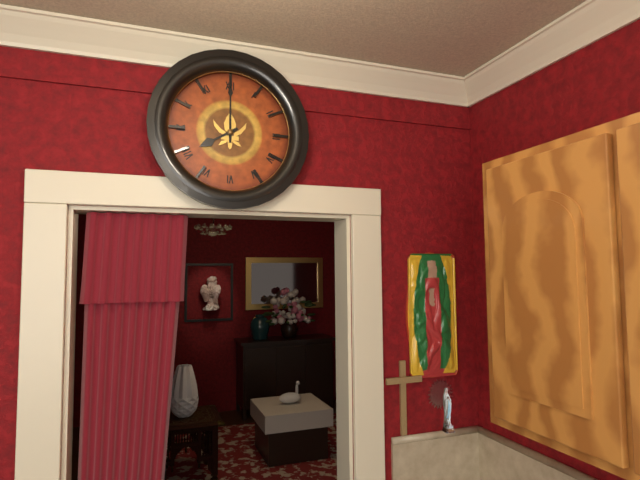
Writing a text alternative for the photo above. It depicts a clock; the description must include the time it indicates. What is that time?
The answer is 8:00
